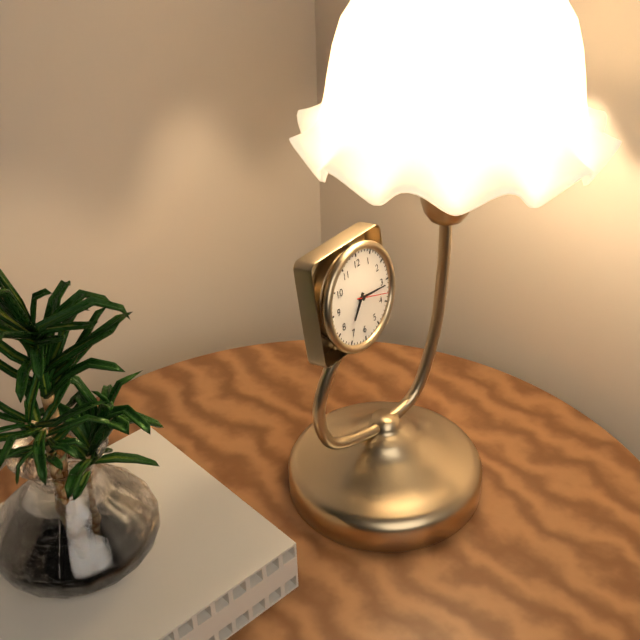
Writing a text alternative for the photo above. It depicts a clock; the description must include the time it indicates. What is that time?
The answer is 7:16
